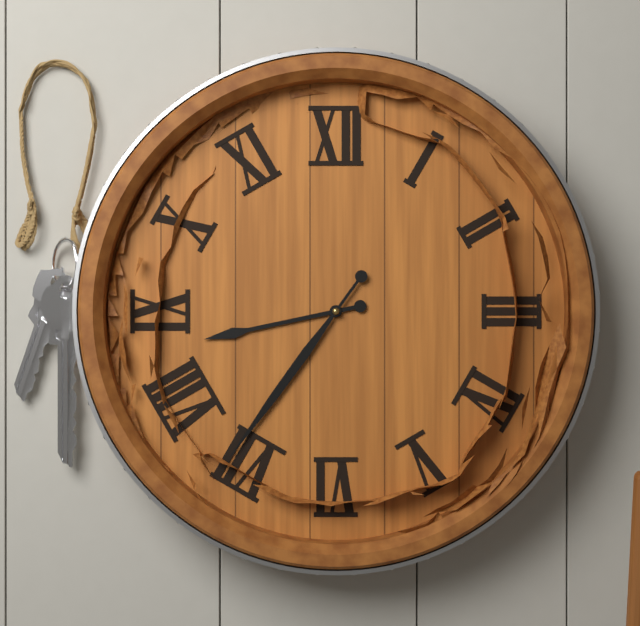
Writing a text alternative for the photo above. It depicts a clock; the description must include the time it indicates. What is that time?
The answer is 8:36
